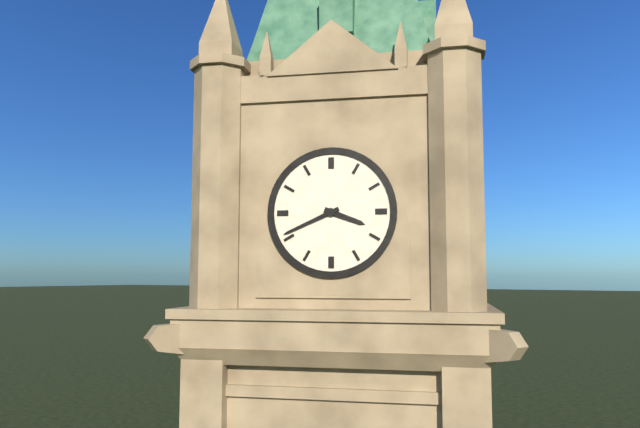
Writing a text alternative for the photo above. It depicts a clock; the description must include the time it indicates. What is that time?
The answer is 3:41
